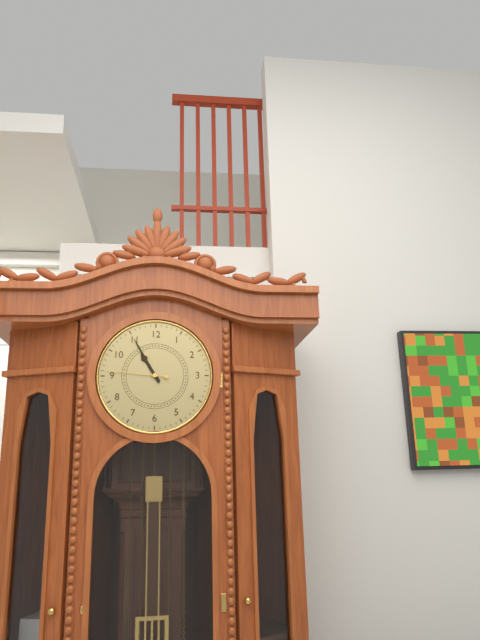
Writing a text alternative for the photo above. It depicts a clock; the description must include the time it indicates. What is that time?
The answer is 10:55:46
